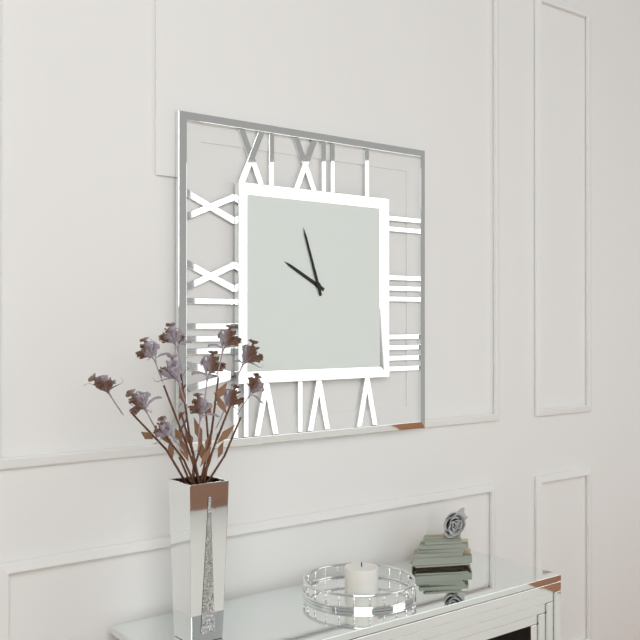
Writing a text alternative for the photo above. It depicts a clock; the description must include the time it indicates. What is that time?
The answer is 9:57
